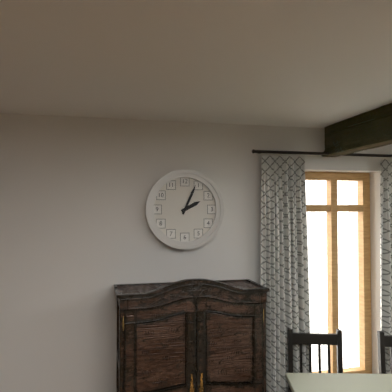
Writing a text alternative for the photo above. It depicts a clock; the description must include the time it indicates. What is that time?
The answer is 2:04
